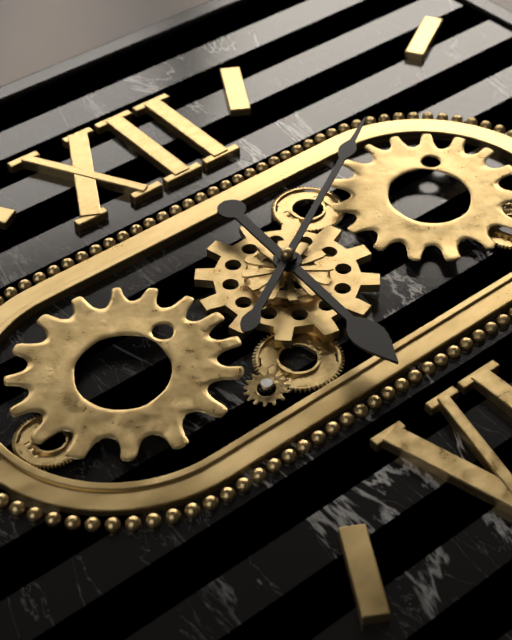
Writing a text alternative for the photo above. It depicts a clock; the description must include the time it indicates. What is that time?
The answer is 6:10
